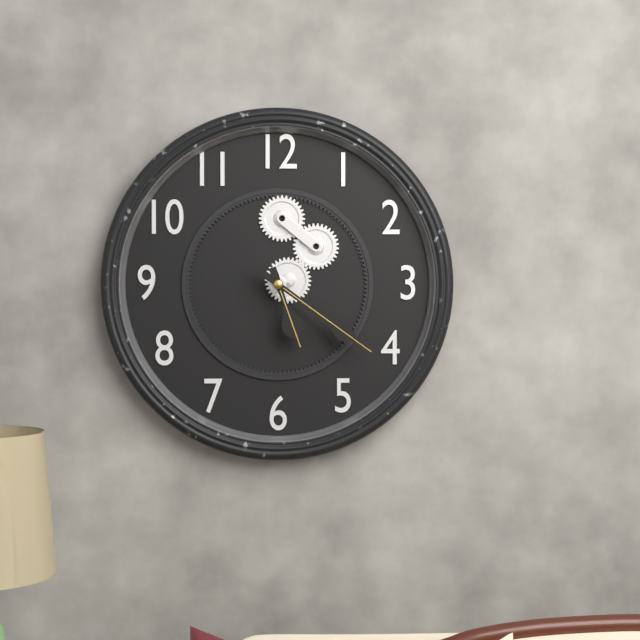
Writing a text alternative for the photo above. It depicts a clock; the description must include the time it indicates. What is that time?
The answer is 5:21
